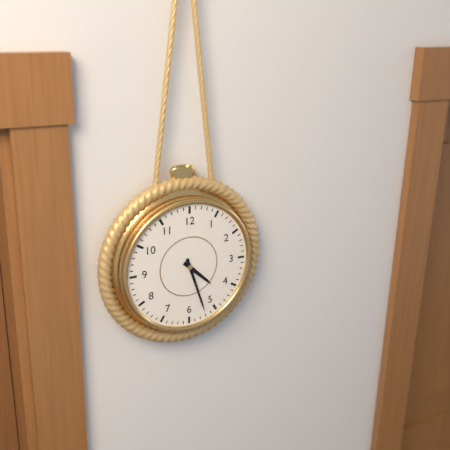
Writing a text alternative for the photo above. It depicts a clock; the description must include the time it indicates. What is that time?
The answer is 4:27
